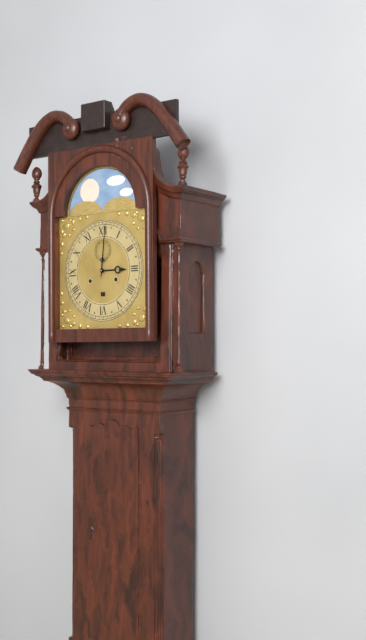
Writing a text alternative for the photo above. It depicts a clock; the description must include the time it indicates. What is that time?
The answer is 3:01
